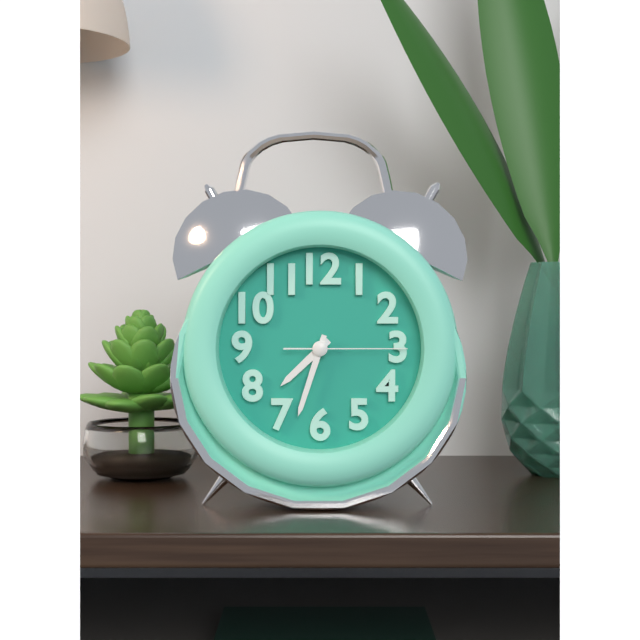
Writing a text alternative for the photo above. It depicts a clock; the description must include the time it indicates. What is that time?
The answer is 7:33:15
